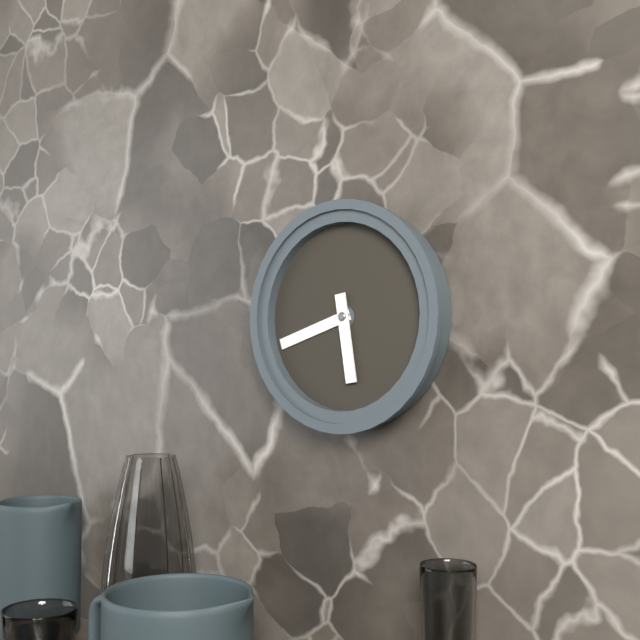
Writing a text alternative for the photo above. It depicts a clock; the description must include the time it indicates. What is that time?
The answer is 5:42
